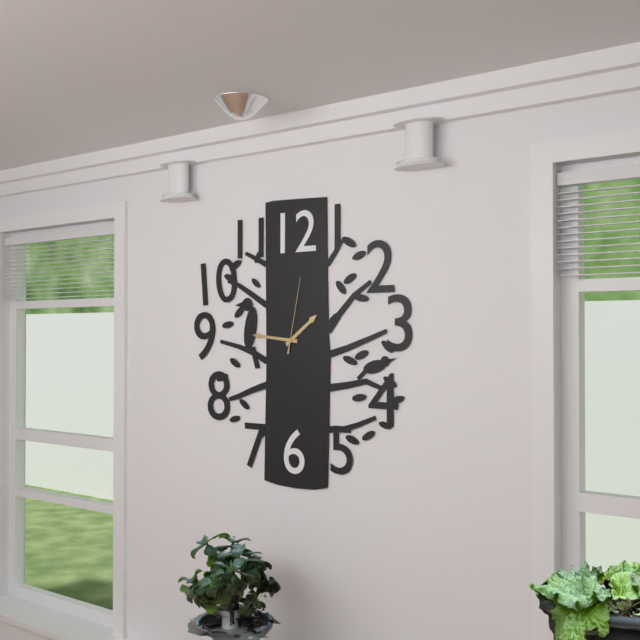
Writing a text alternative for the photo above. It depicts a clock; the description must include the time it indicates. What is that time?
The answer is 1:46:02
